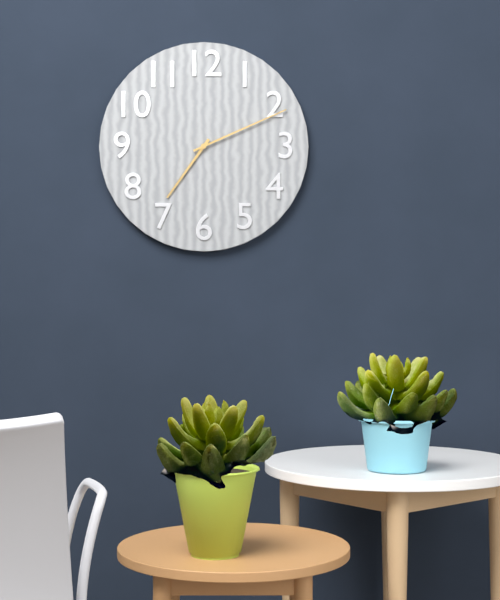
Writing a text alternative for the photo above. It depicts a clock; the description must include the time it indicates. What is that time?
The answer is 7:11
